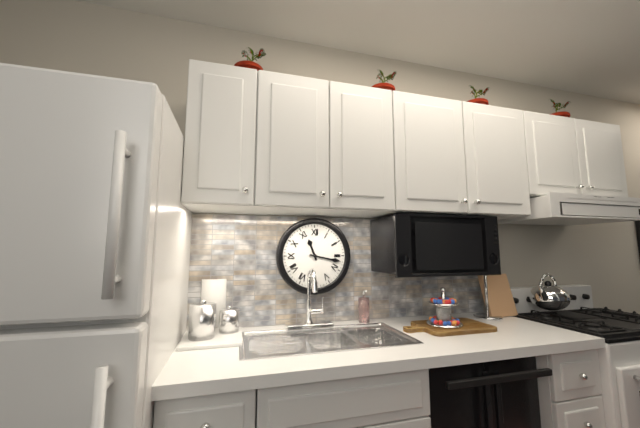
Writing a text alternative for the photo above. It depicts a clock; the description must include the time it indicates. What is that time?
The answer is 11:17
